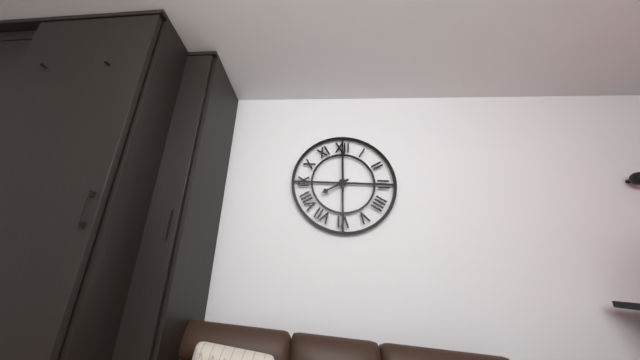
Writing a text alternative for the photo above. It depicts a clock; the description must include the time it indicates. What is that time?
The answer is 8:00
